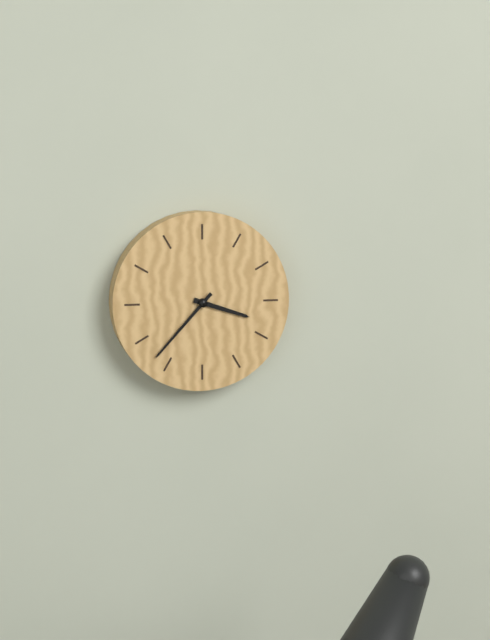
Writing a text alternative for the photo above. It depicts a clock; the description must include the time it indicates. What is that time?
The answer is 3:37
